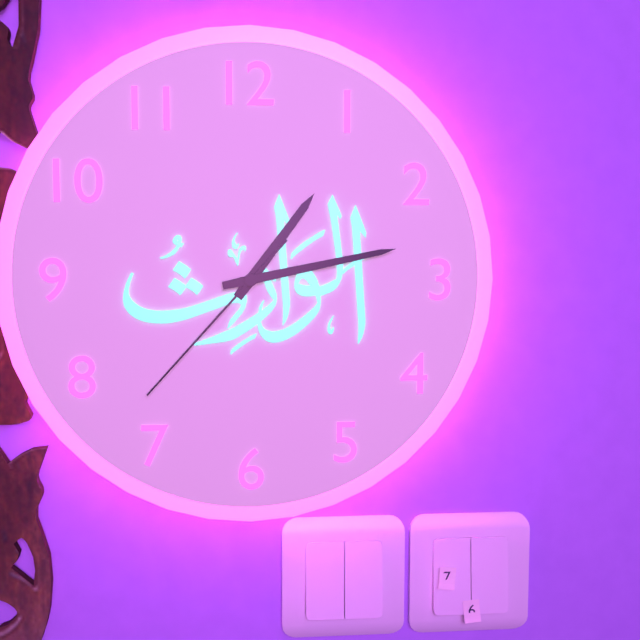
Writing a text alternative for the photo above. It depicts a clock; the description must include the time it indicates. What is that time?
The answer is 1:13:37
